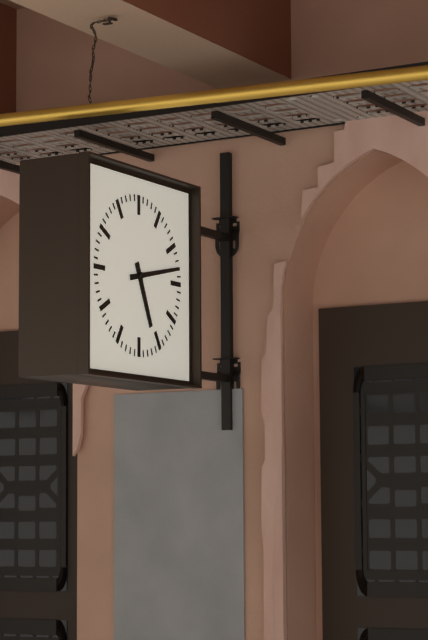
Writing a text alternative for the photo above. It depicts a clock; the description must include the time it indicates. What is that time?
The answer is 5:13
